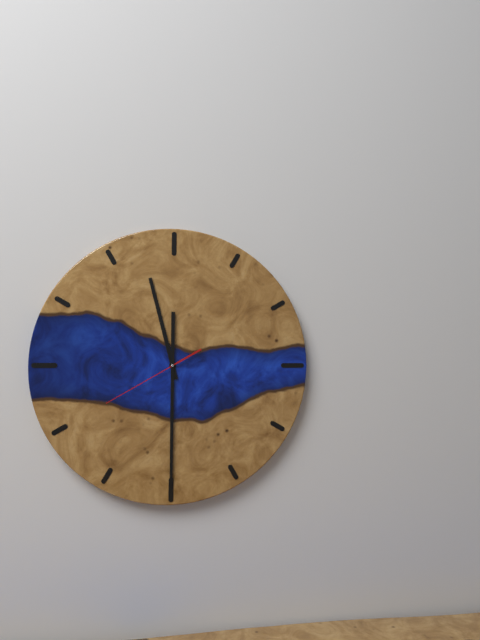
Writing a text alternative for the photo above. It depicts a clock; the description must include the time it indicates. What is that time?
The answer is 11:30:40
